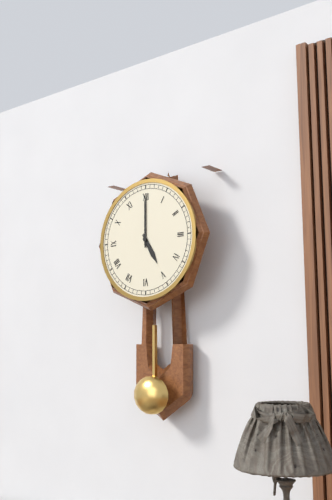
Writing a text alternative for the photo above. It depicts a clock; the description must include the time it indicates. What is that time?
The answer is 5:00
